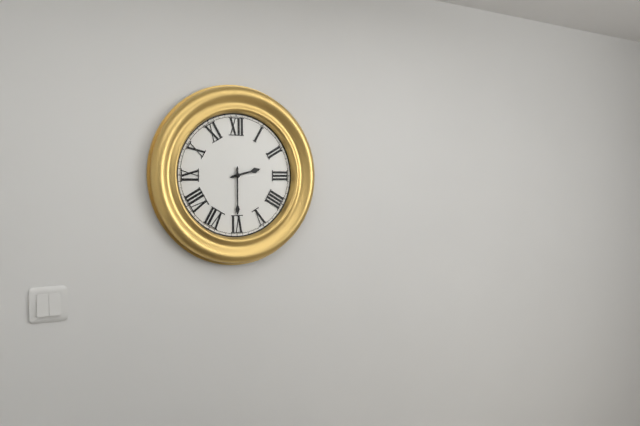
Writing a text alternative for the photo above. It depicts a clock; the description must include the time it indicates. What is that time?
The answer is 2:30
